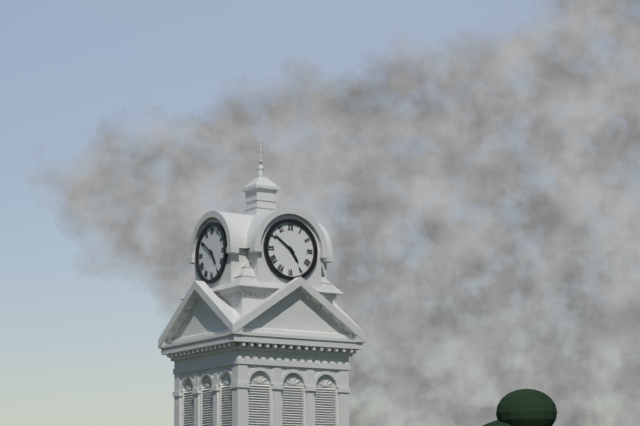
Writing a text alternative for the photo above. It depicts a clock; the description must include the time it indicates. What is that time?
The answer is 4:51
